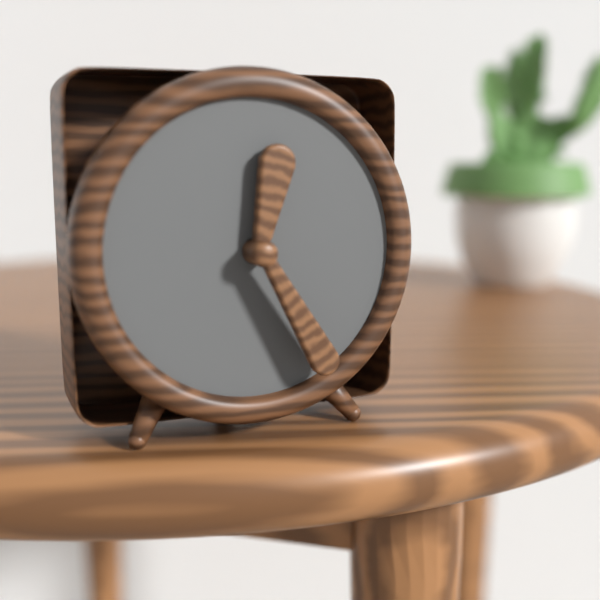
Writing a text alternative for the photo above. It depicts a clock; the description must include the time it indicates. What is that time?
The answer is 12:25
